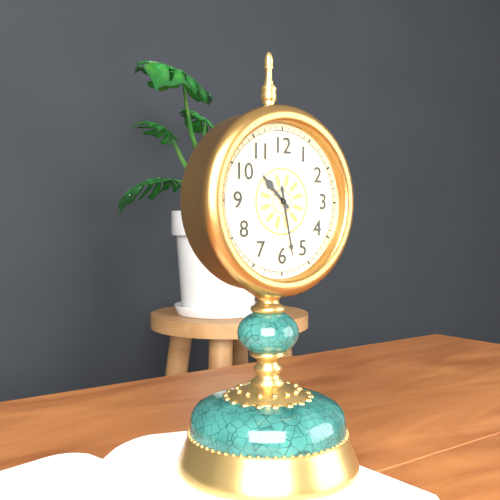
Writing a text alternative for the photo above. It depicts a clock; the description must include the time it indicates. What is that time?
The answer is 10:28
